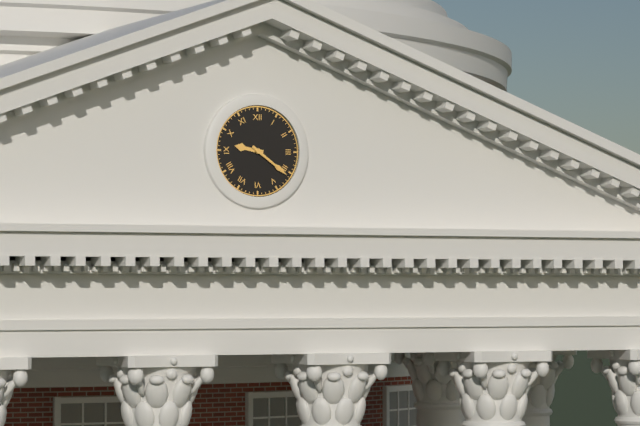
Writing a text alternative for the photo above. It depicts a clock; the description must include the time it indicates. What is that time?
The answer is 9:21
